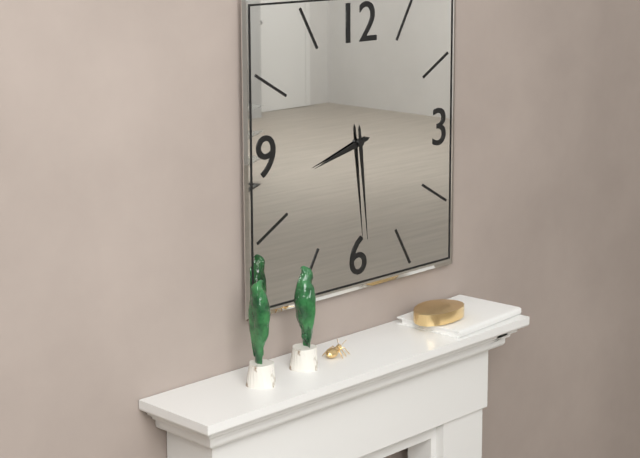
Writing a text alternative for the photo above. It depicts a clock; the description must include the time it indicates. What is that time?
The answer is 8:29
